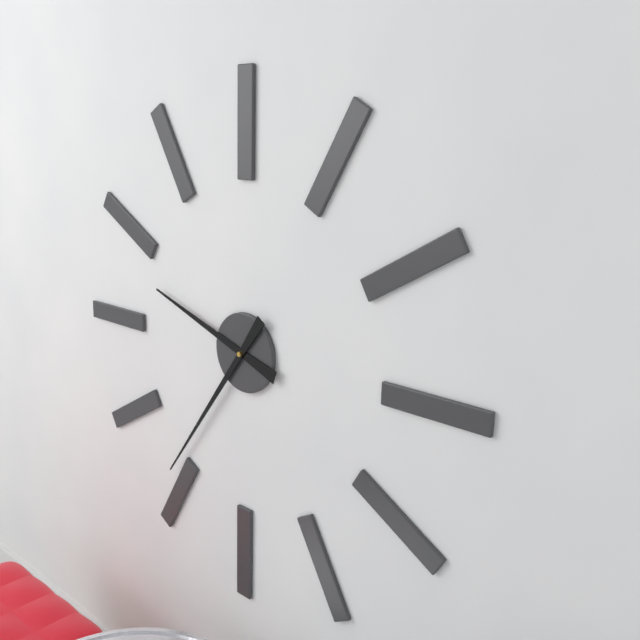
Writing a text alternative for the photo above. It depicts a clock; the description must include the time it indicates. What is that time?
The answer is 9:36
